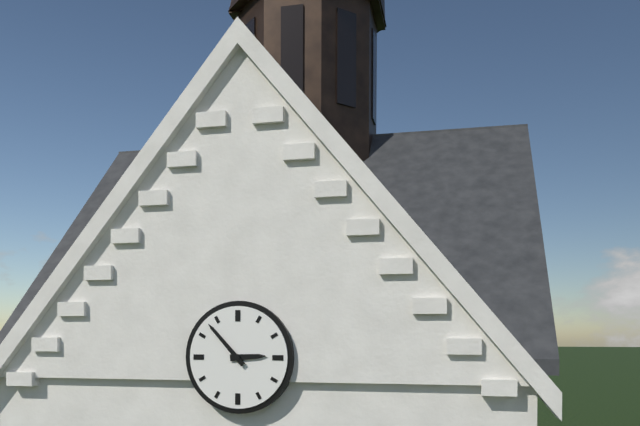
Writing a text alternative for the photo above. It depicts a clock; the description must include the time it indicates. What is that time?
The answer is 2:53
